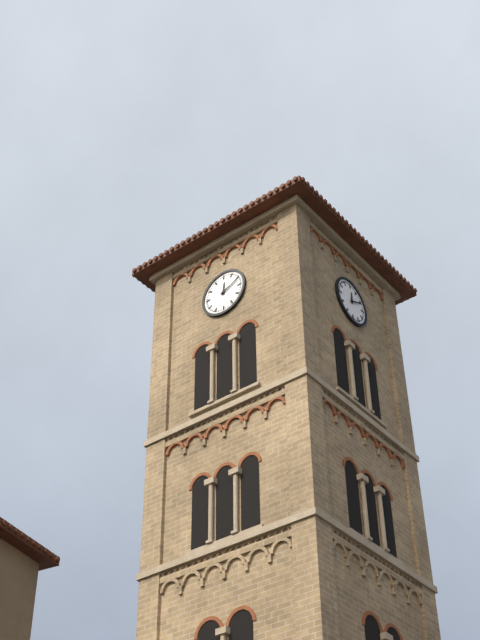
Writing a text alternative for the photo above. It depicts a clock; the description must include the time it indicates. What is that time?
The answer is 12:11
